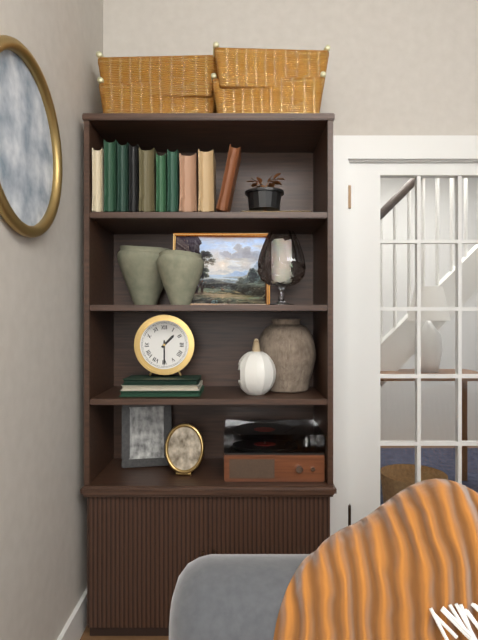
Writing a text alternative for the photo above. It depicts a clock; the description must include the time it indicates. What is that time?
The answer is 1:30
